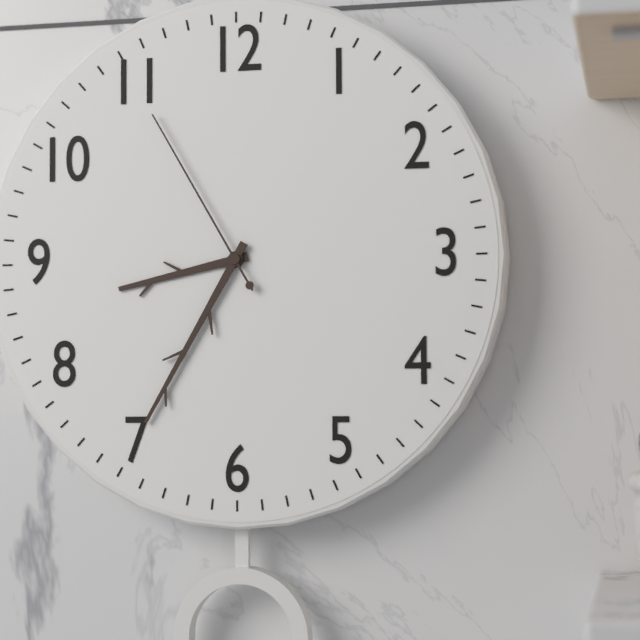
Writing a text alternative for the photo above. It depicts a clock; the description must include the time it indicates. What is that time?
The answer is 8:35:55
